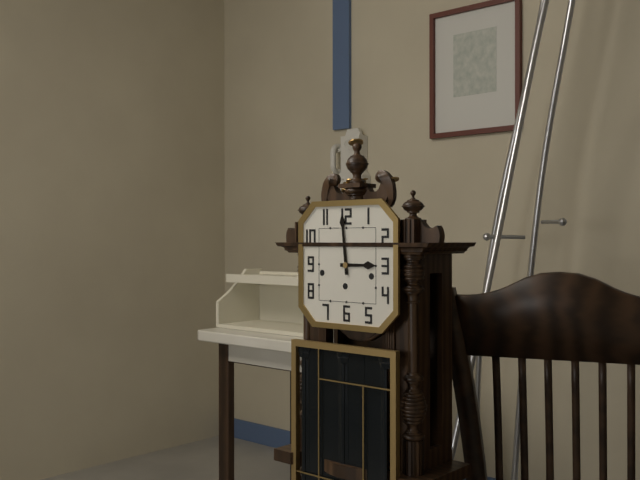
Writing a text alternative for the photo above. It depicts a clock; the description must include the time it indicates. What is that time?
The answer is 2:59
